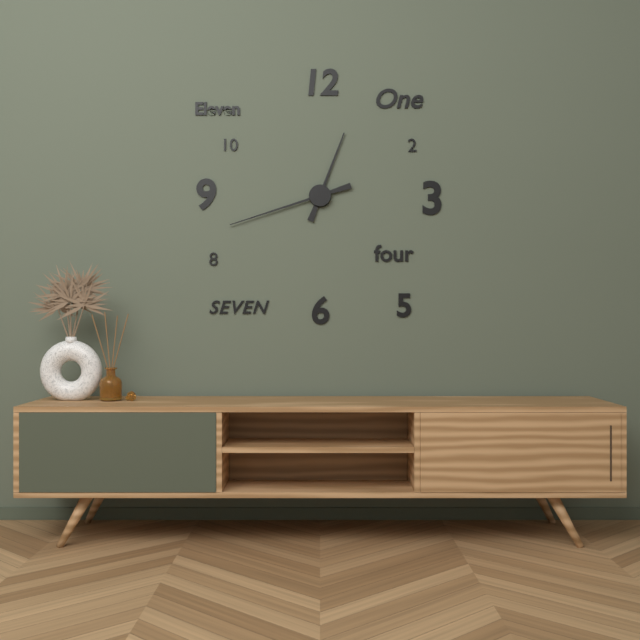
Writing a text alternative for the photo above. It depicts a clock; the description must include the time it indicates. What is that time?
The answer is 12:42
